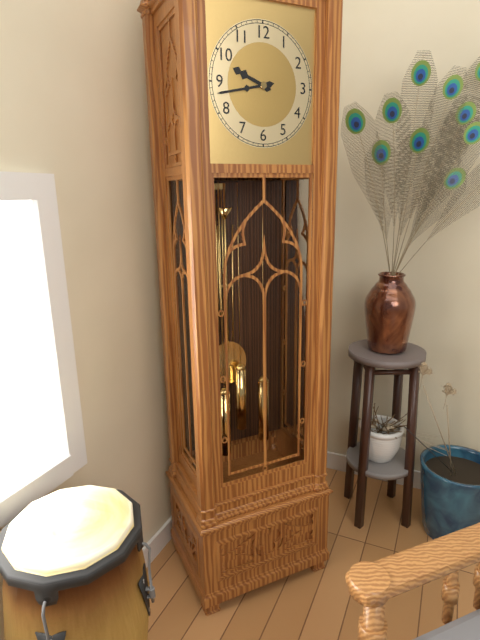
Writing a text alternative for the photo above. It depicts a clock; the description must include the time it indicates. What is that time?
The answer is 9:43
